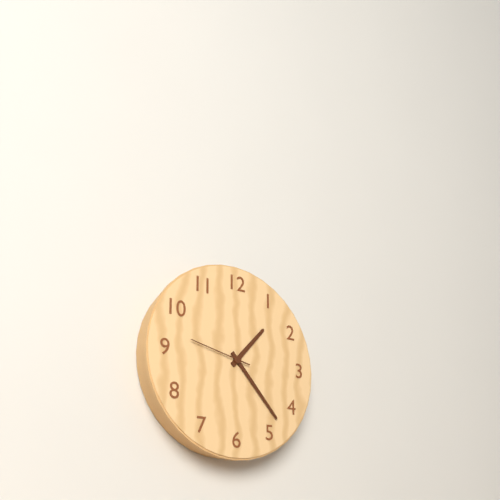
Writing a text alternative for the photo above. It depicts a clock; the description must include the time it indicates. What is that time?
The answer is 1:23:47
